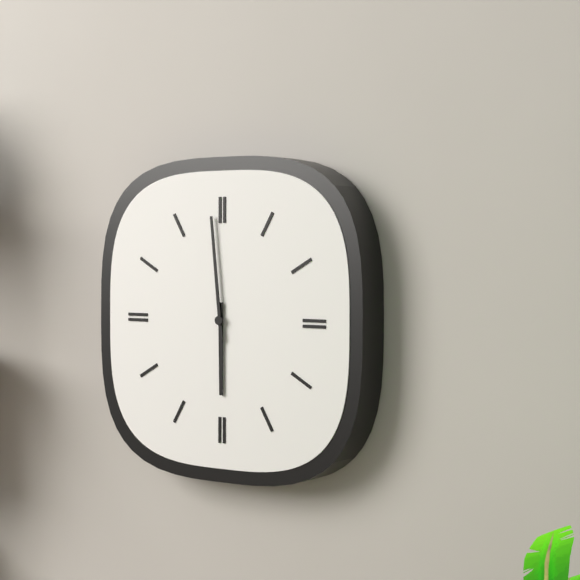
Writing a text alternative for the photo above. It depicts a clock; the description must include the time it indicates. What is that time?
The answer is 5:59
